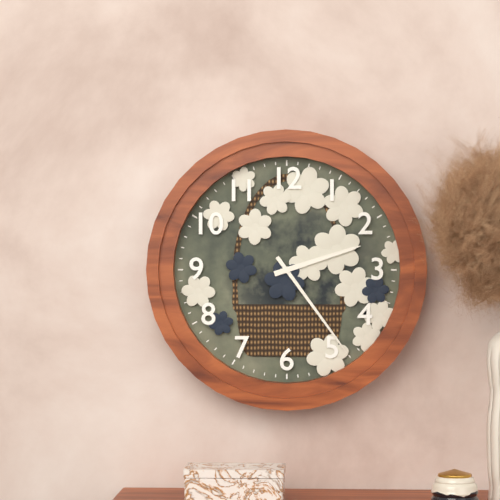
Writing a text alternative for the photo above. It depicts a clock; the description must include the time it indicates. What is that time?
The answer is 2:24
